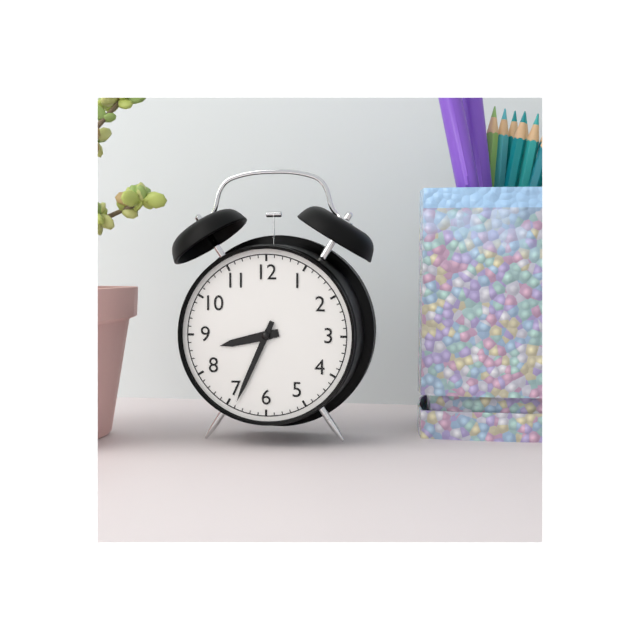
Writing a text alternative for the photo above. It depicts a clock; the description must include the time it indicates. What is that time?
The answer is 8:34
